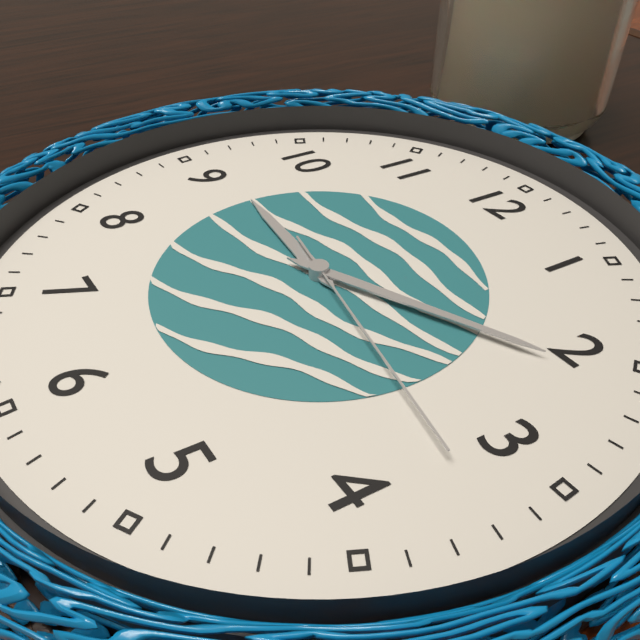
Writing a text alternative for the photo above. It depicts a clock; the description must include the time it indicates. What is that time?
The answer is 9:11:17
